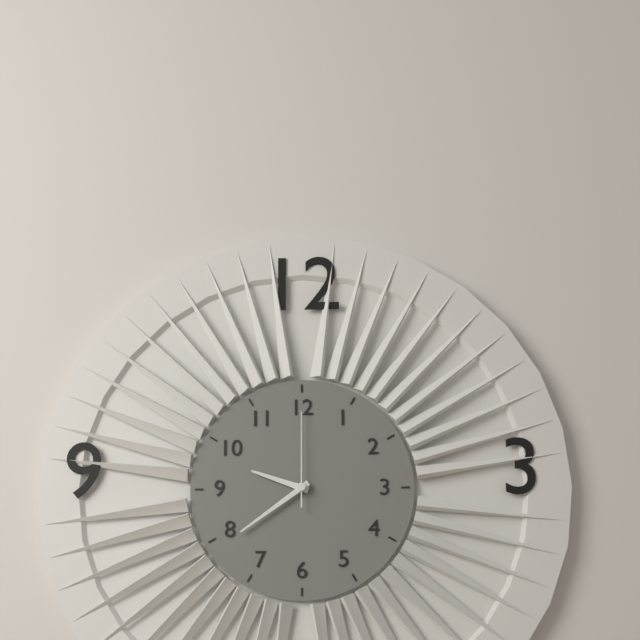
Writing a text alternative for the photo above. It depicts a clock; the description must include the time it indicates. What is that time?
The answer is 9:39:00
